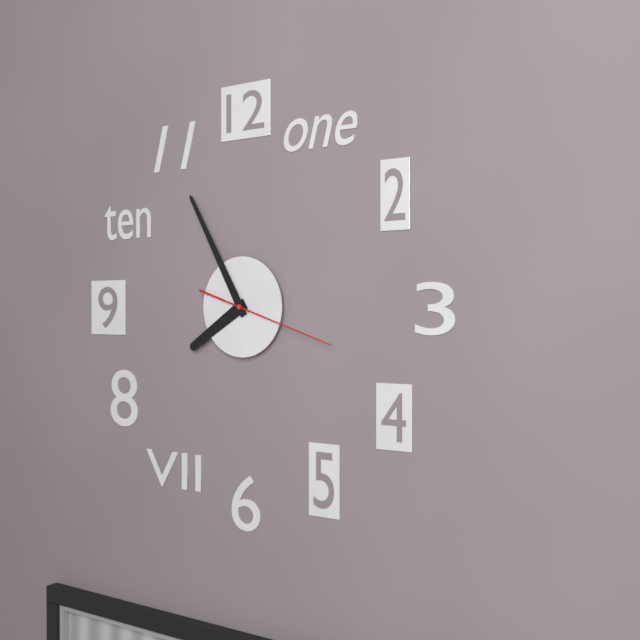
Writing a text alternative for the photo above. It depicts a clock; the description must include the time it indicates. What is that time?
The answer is 7:55:18
